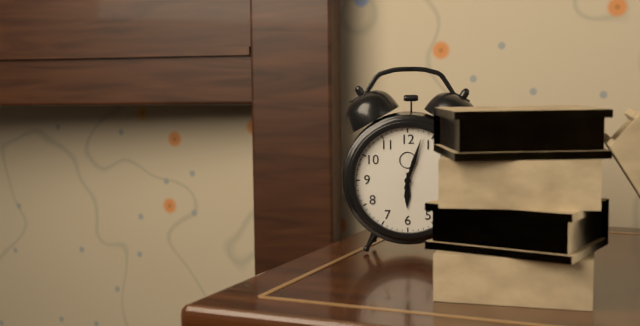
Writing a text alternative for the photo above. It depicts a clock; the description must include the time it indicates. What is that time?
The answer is 6:03
